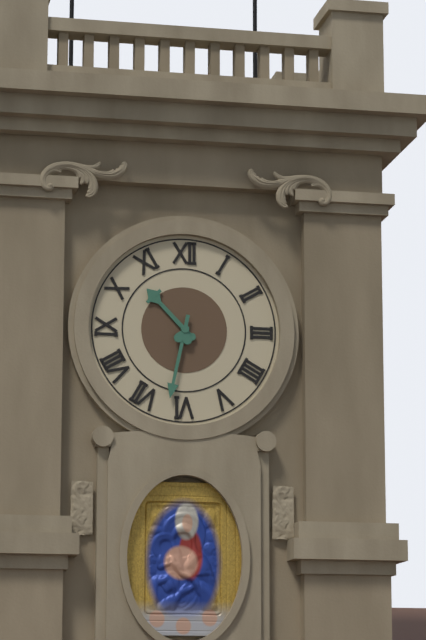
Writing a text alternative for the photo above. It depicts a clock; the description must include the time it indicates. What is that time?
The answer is 10:32
